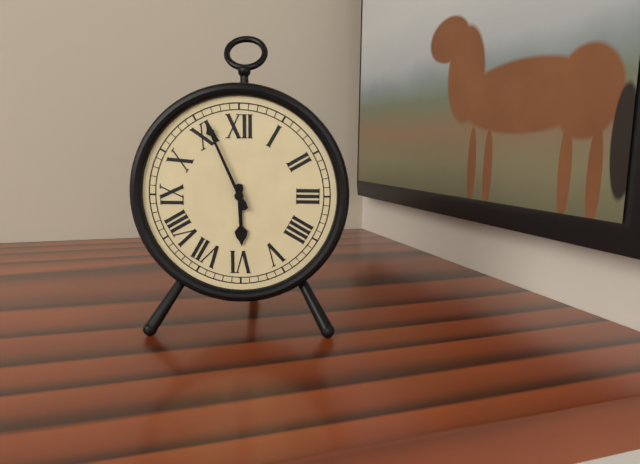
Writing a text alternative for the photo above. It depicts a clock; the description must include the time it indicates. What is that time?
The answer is 5:56
